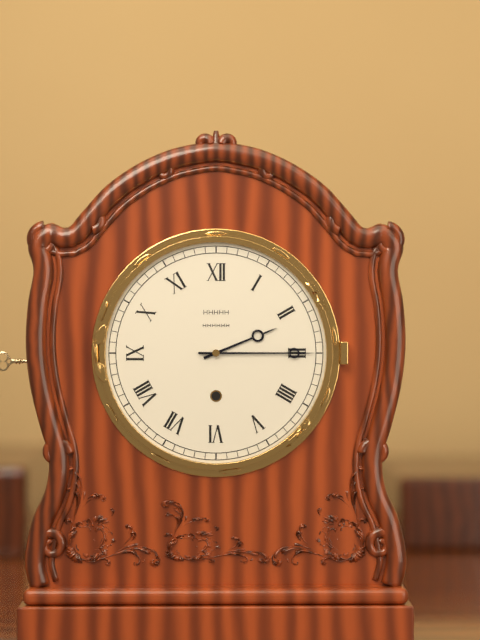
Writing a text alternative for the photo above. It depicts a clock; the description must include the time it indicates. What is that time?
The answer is 2:15
